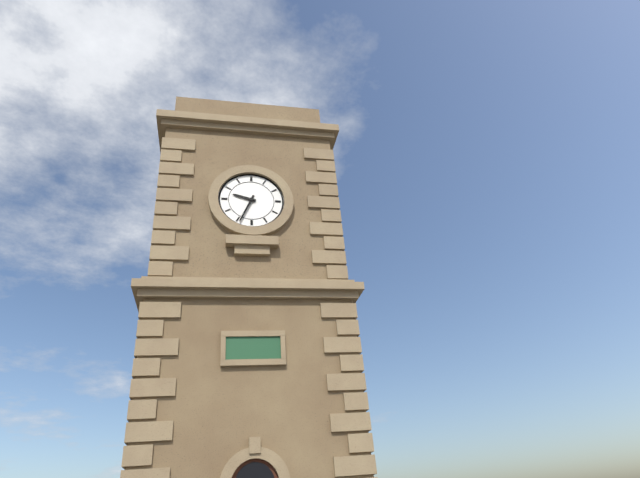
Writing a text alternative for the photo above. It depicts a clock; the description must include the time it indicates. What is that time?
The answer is 9:34
